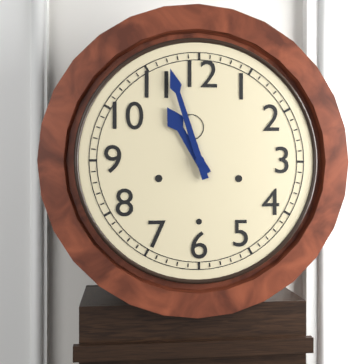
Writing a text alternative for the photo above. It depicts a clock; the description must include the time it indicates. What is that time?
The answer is 10:57
